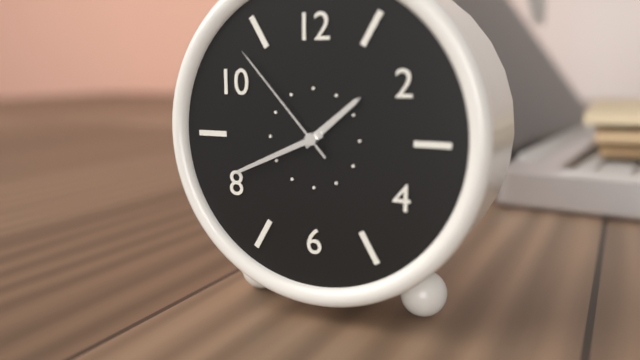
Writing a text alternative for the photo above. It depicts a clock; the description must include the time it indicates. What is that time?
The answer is 1:41:53
